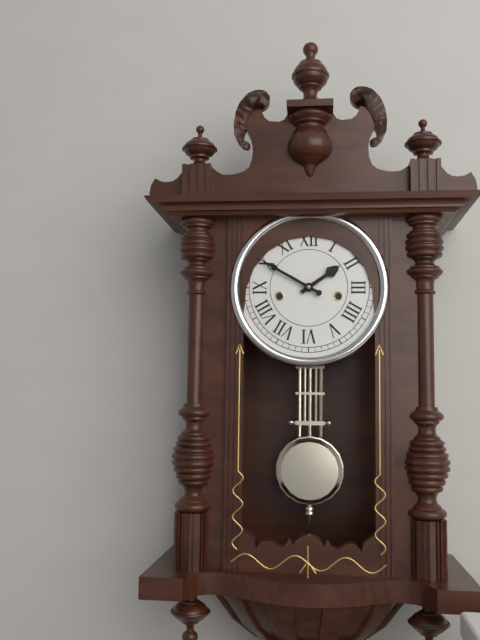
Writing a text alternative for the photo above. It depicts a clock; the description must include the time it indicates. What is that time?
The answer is 1:50
